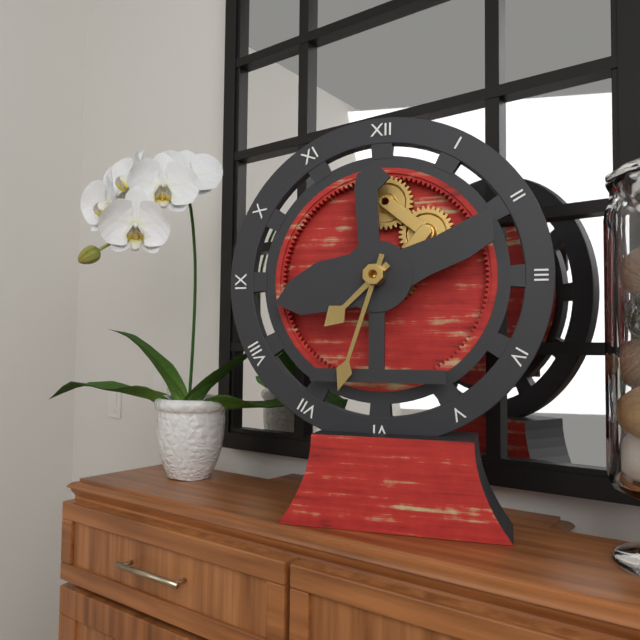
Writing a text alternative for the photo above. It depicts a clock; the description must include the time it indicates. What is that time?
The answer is 7:33
